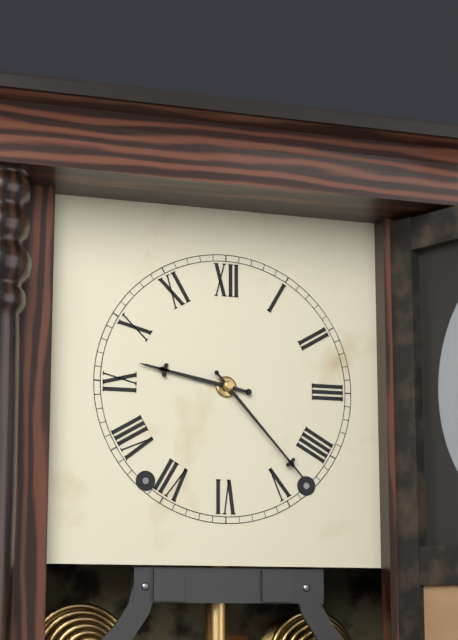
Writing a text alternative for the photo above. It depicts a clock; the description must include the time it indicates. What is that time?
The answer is 9:23
